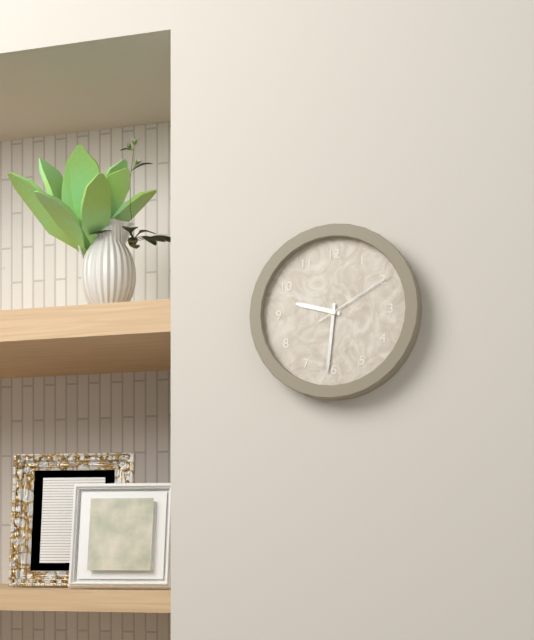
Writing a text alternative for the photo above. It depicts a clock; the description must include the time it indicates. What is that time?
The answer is 9:31:10
